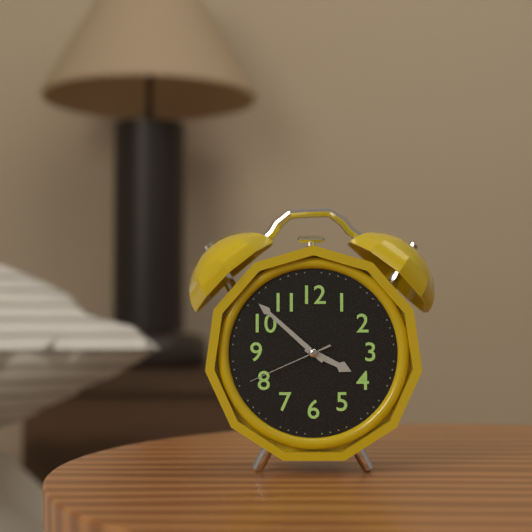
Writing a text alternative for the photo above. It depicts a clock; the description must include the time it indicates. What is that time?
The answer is 3:52:41
